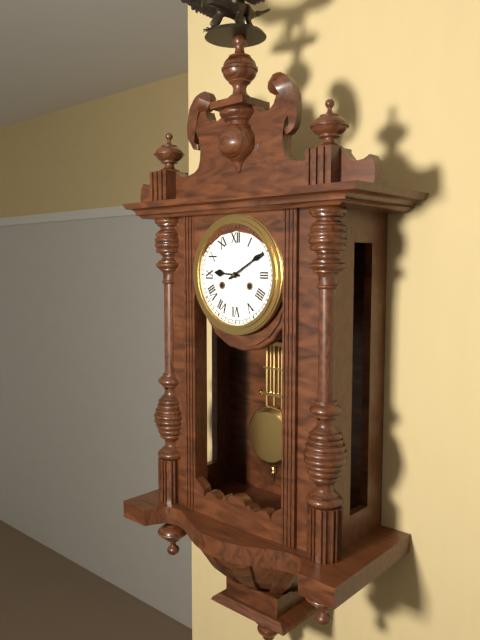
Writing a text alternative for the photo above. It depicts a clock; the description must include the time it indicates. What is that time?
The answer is 9:10
